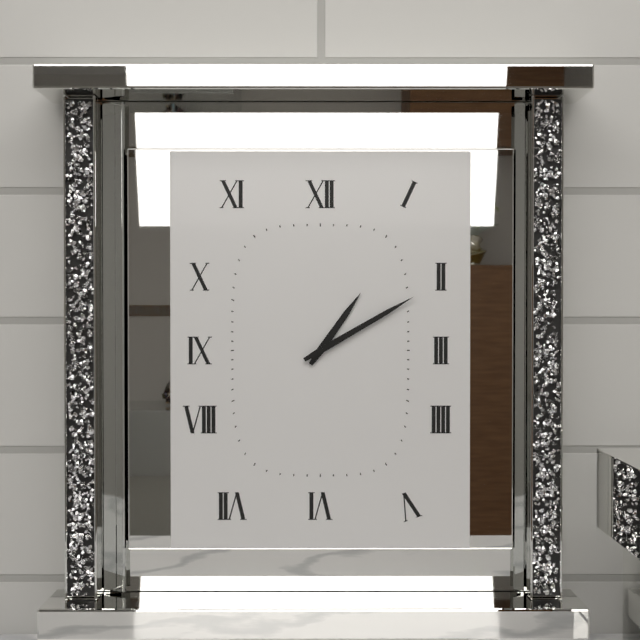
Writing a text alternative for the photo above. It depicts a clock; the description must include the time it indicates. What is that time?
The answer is 1:10
